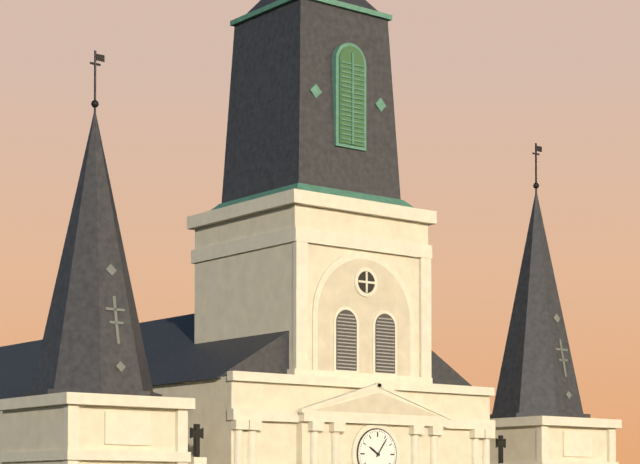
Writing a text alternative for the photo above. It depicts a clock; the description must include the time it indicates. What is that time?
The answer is 10:06
